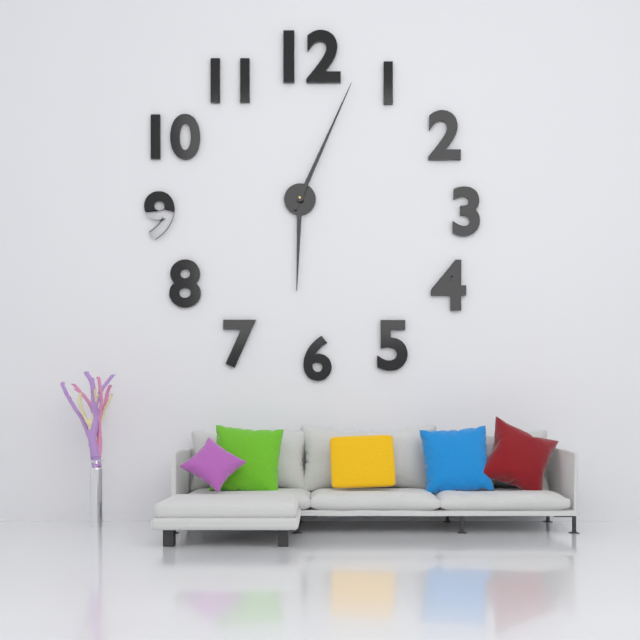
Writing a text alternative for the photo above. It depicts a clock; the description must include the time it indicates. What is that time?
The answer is 6:04
